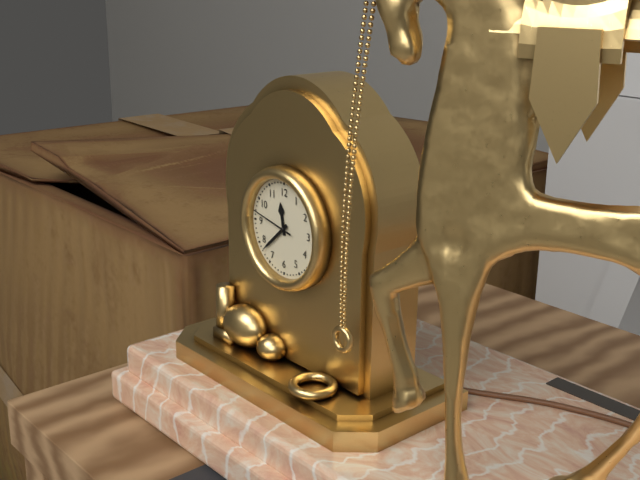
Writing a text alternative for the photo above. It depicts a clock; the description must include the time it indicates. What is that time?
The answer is 11:38
